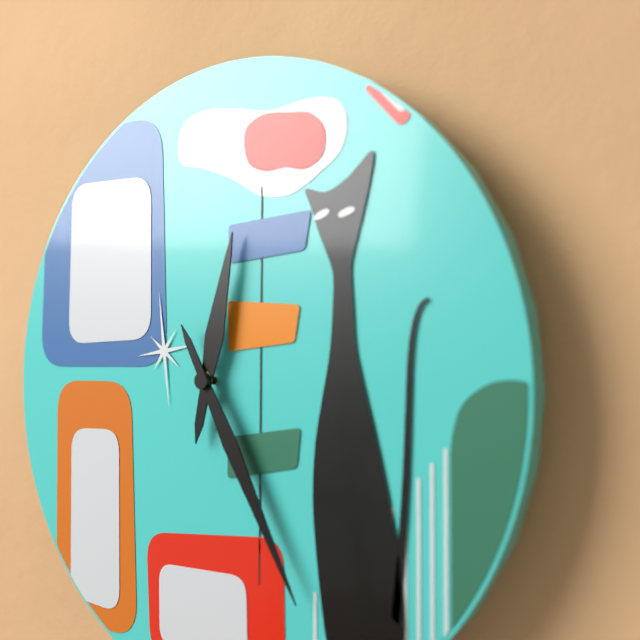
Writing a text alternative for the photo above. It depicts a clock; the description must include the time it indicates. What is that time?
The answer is 12:25
